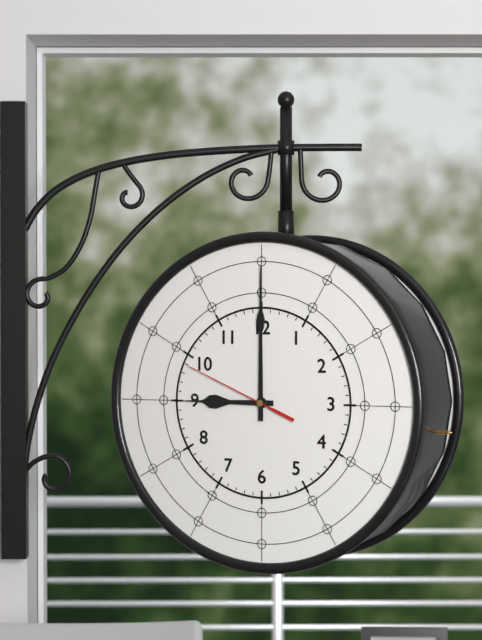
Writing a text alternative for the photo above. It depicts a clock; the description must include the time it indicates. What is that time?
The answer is 9:00:49
